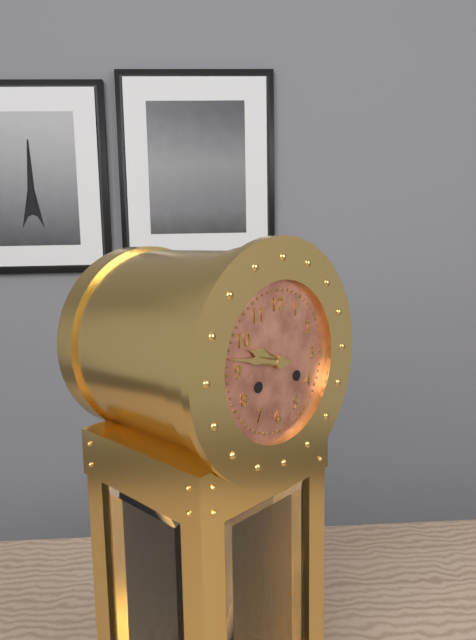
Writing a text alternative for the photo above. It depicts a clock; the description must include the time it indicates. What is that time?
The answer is 9:47
